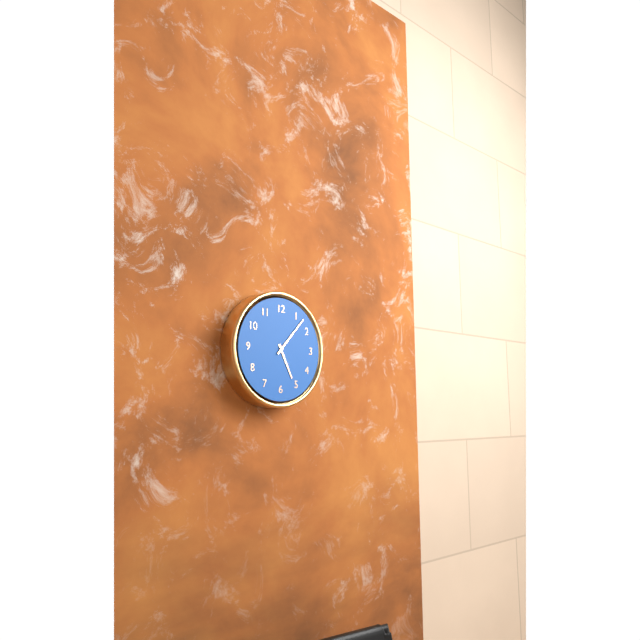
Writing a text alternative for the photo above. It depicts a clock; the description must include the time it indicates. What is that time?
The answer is 5:07
